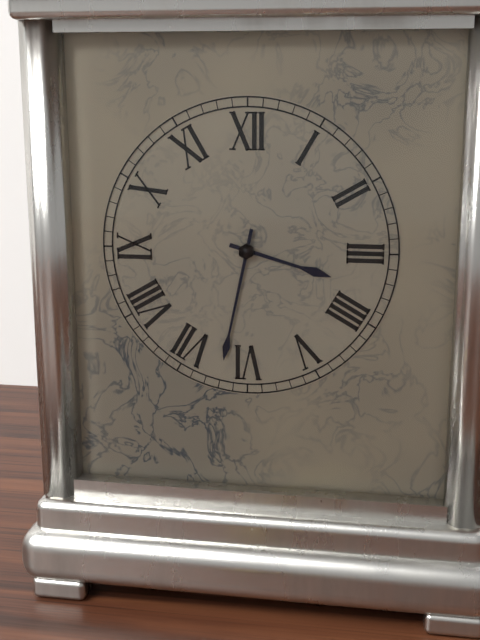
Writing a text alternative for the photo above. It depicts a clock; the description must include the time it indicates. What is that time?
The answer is 3:32
